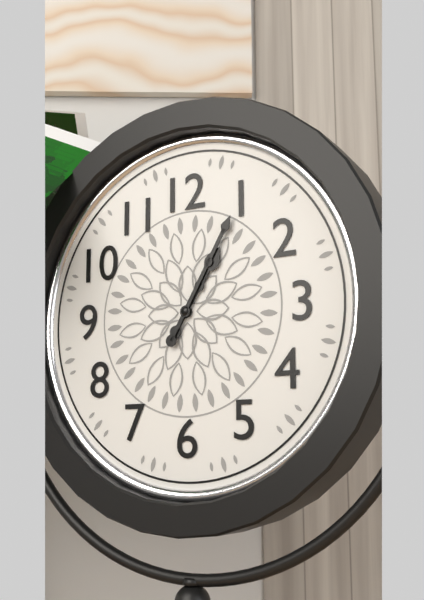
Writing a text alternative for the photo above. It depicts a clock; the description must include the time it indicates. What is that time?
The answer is 1:05
